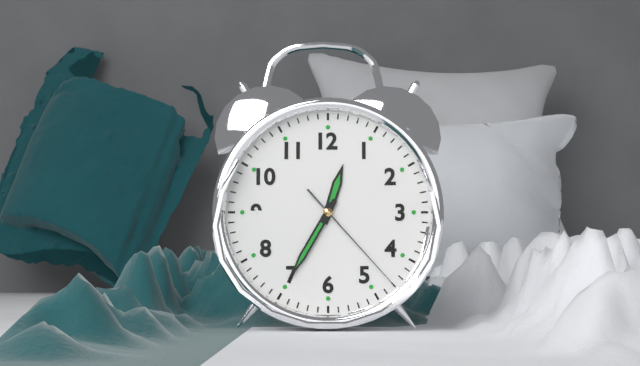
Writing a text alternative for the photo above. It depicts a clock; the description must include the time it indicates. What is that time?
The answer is 12:35:23
